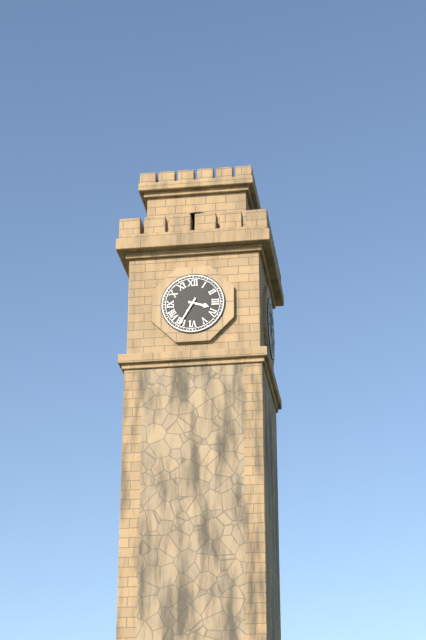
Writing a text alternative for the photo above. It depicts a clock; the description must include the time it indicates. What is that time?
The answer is 3:35
